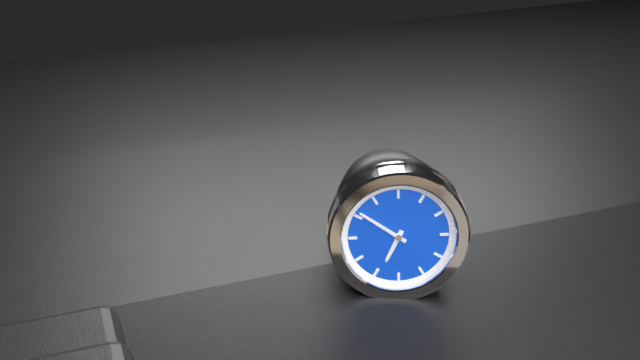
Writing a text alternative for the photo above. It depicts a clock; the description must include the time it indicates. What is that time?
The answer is 6:51
